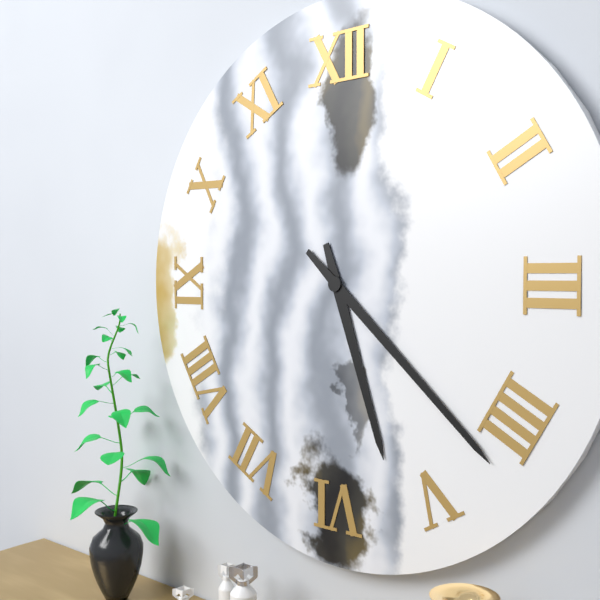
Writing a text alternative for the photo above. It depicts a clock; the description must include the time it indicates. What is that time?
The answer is 5:22
